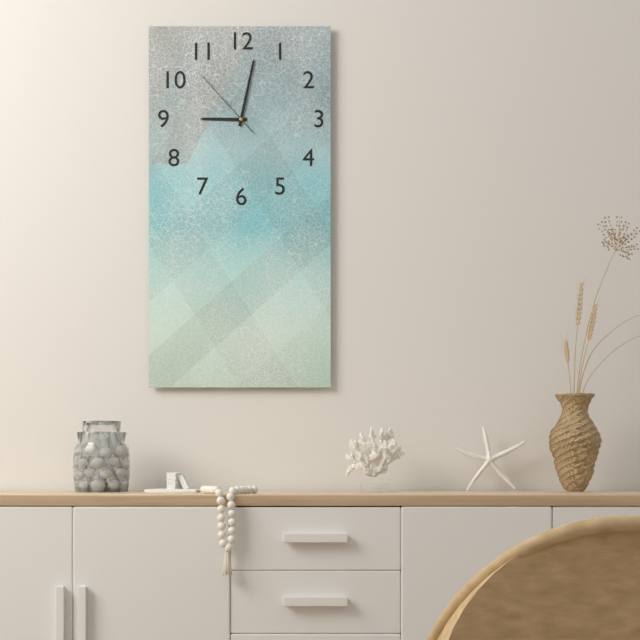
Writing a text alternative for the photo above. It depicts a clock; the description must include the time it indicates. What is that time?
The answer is 9:02:53
